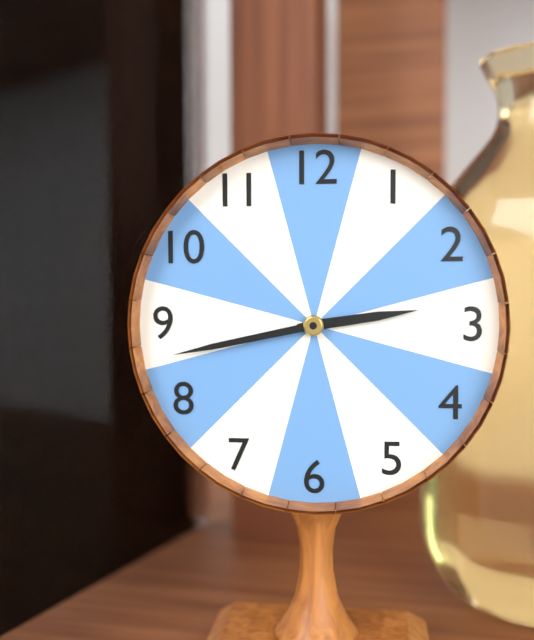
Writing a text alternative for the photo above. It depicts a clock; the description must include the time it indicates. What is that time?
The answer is 2:43
